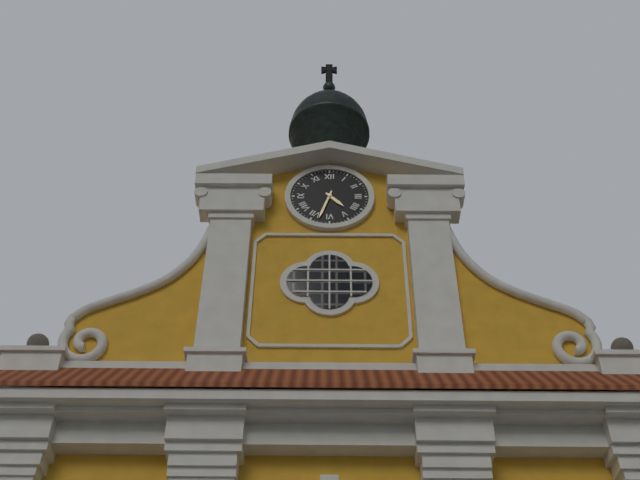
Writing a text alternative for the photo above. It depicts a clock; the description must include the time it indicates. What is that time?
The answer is 4:33
